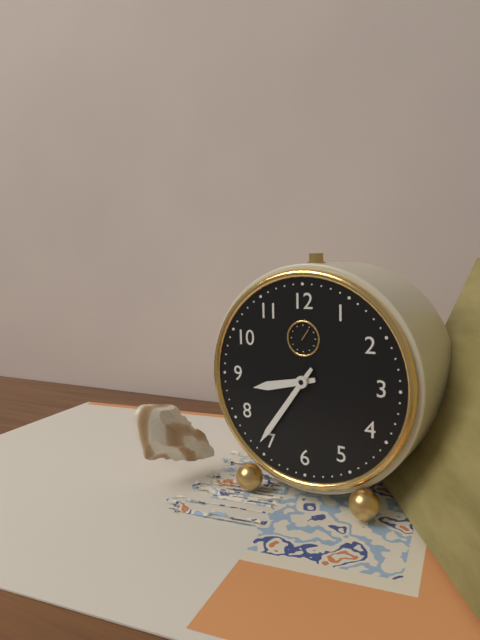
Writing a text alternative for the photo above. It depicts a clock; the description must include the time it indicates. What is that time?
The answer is 8:36
